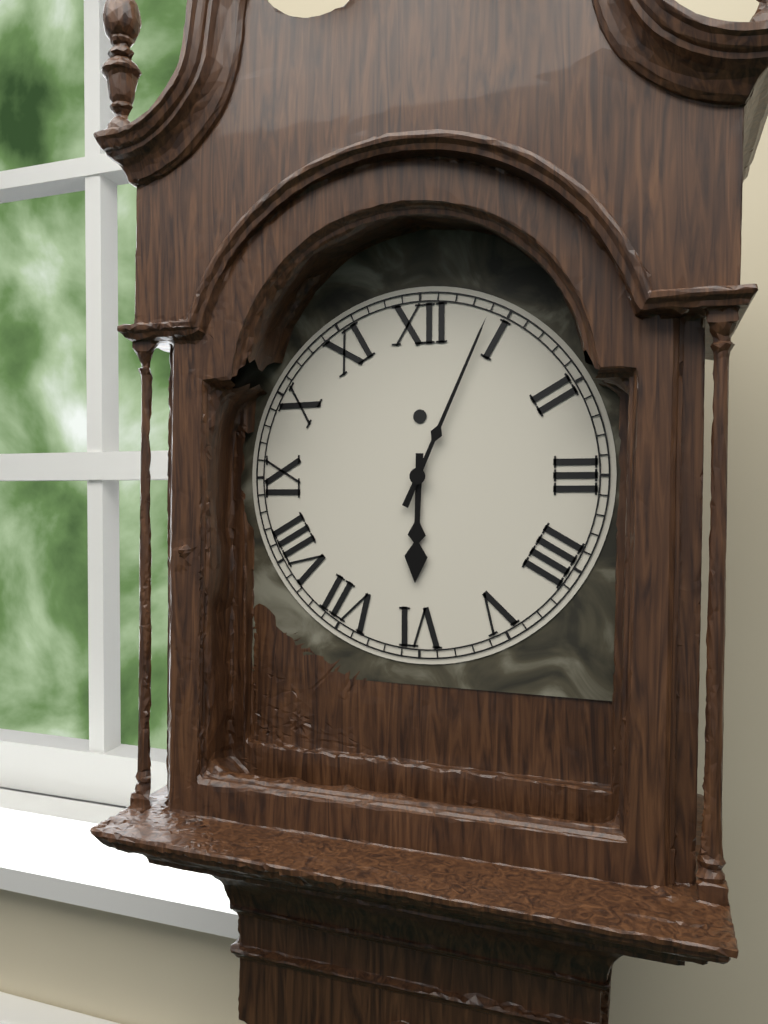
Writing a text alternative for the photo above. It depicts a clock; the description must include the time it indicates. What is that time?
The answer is 6:04
